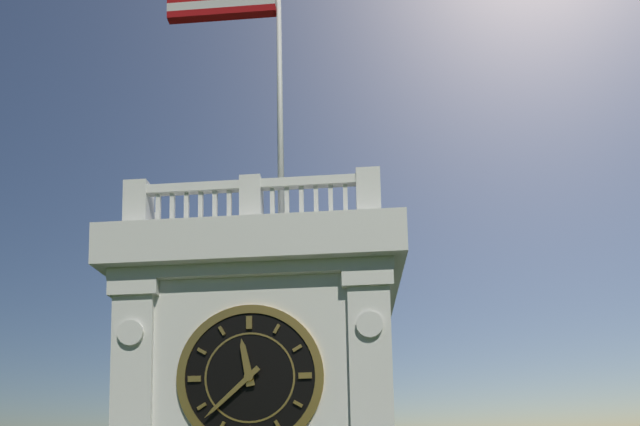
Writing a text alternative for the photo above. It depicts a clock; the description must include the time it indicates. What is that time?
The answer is 11:38
